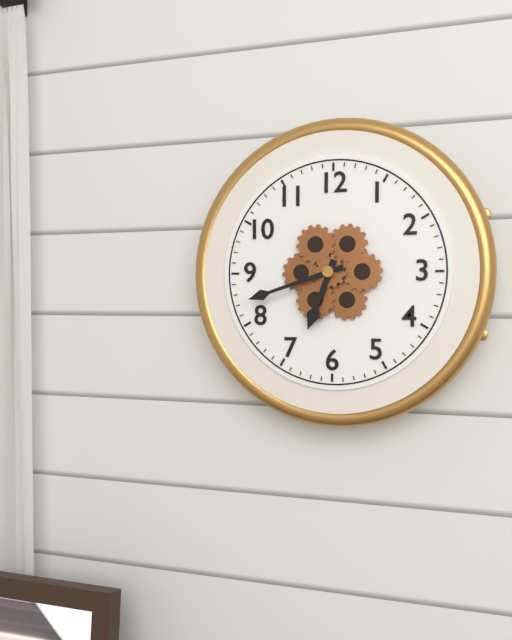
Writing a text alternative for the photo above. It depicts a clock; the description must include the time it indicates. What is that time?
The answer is 6:42
